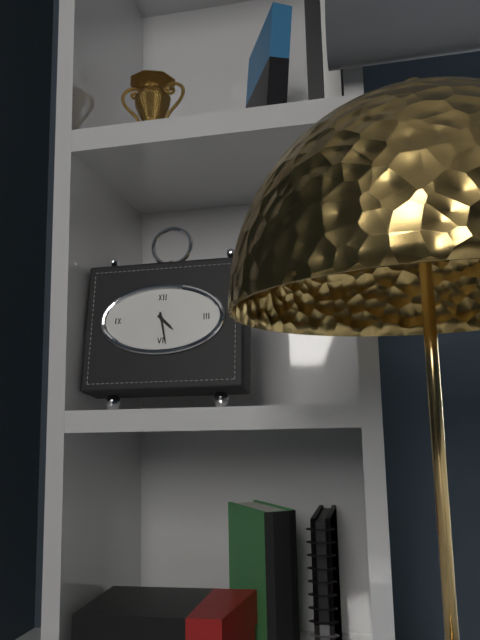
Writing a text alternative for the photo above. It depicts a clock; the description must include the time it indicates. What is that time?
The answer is 4:28
